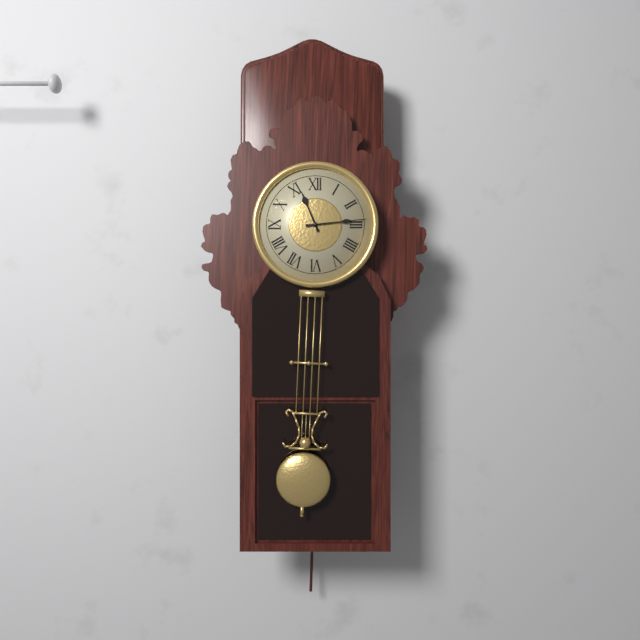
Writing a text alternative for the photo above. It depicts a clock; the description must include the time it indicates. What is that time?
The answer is 11:14
